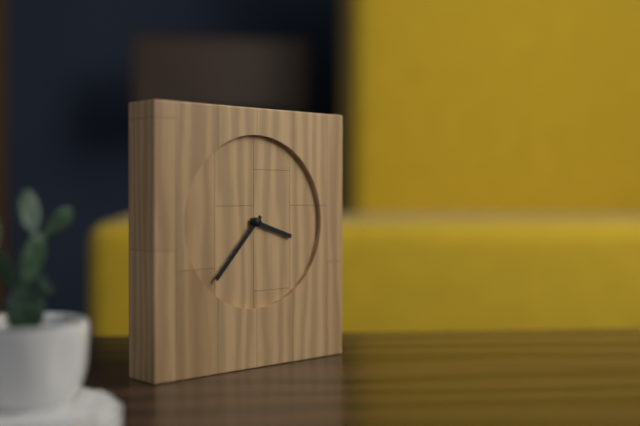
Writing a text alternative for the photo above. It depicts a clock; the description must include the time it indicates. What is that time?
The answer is 3:37
